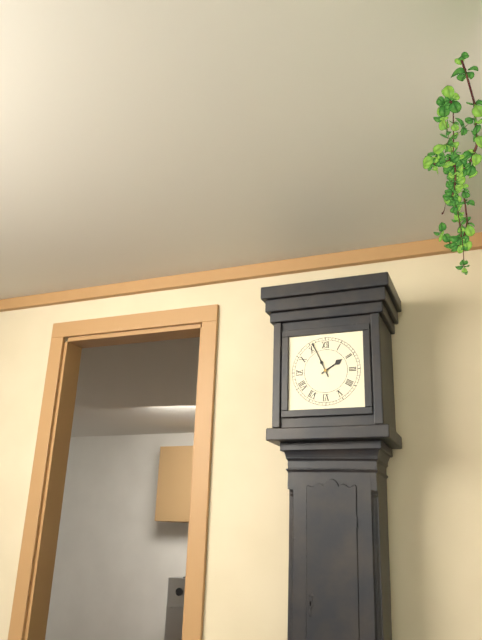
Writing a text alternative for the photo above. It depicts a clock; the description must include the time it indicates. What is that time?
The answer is 1:56
